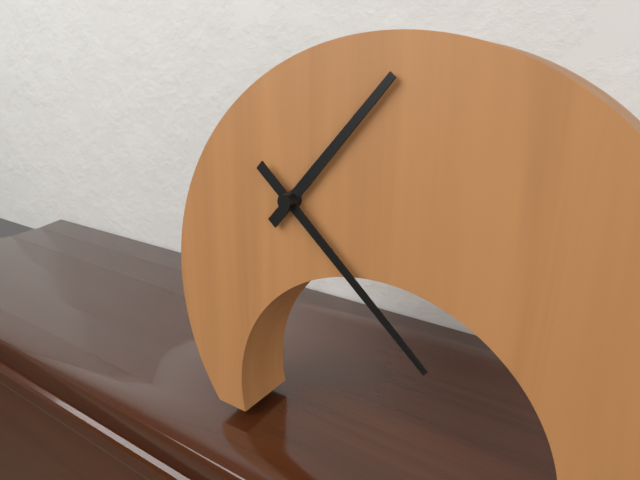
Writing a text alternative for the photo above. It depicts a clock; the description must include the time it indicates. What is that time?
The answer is 1:22
